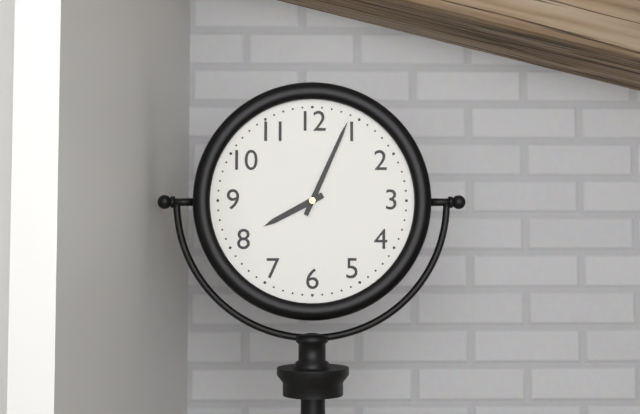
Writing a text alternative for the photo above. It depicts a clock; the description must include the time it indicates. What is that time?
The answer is 8:04
